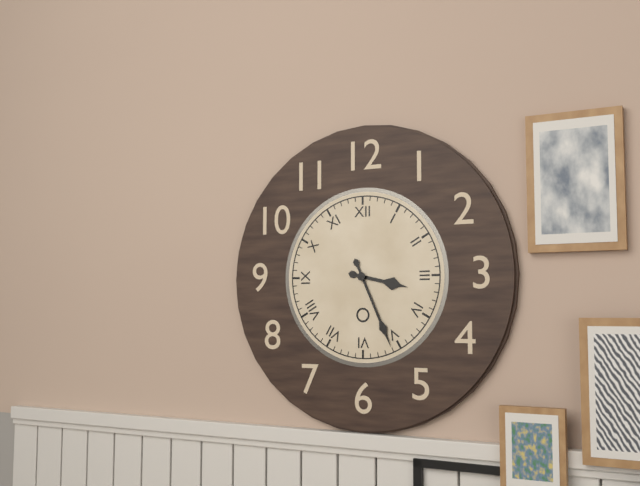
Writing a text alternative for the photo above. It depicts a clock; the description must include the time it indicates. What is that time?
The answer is 3:26
